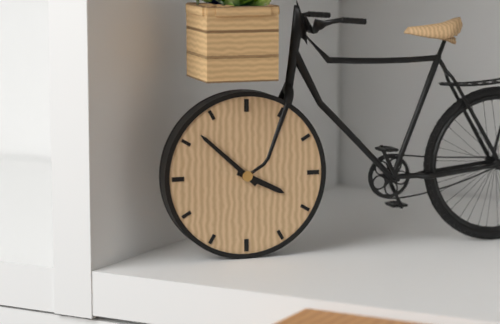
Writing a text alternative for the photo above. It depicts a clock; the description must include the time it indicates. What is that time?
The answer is 3:52
